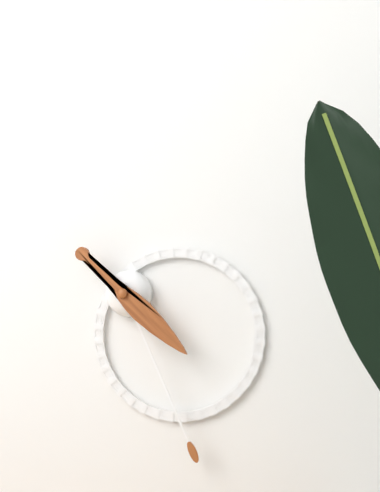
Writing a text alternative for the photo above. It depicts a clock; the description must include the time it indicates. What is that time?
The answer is 4:26
